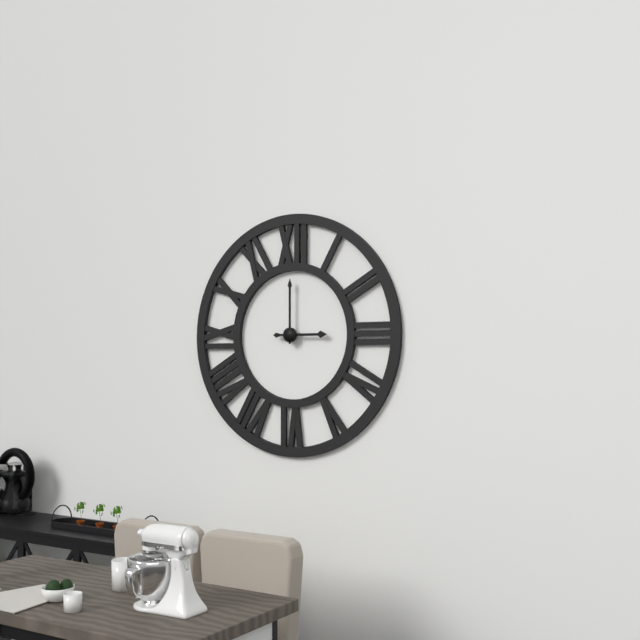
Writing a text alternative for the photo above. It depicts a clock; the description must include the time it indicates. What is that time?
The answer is 3:00
